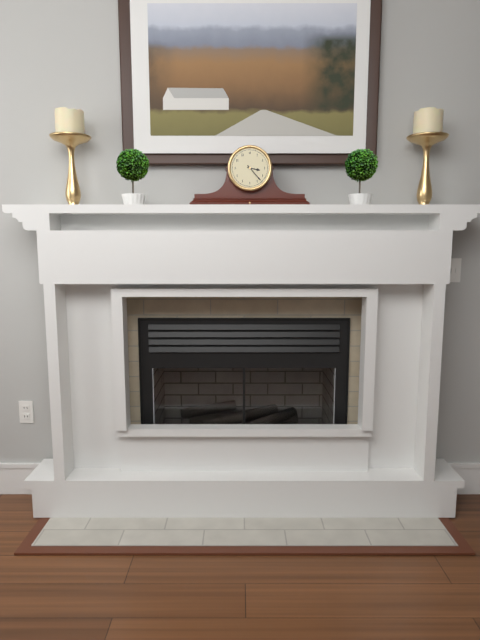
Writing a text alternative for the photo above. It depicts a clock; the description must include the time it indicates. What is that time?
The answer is 3:23
